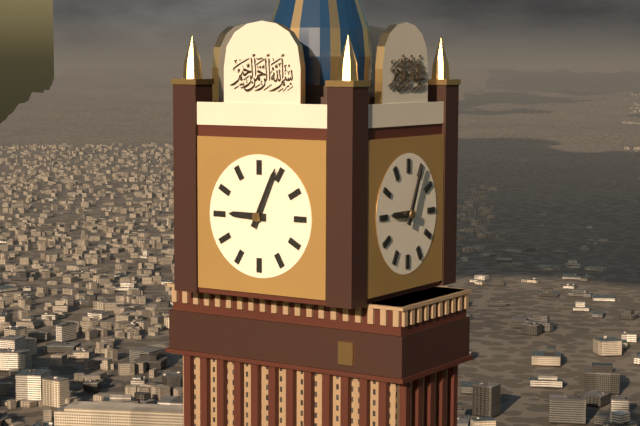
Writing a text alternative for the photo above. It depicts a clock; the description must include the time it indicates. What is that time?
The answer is 9:04
